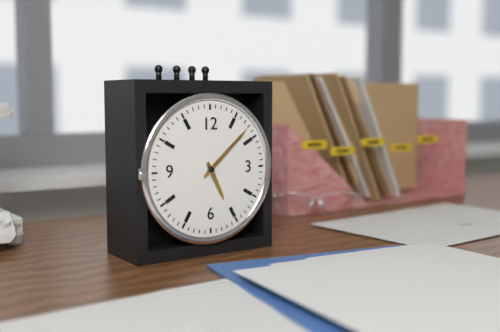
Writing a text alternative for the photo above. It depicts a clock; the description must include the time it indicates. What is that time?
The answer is 5:08
